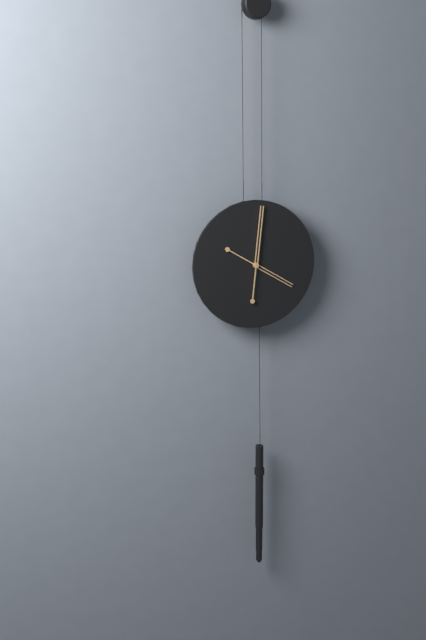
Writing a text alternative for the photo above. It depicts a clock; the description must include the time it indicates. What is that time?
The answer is 4:01
